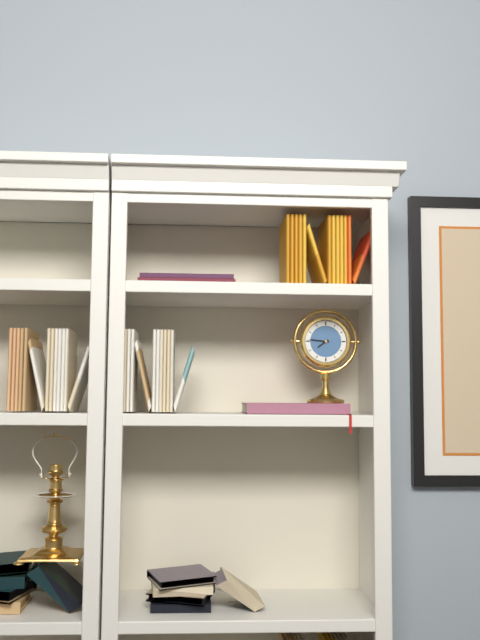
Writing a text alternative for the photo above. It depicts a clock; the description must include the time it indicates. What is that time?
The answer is 7:46
